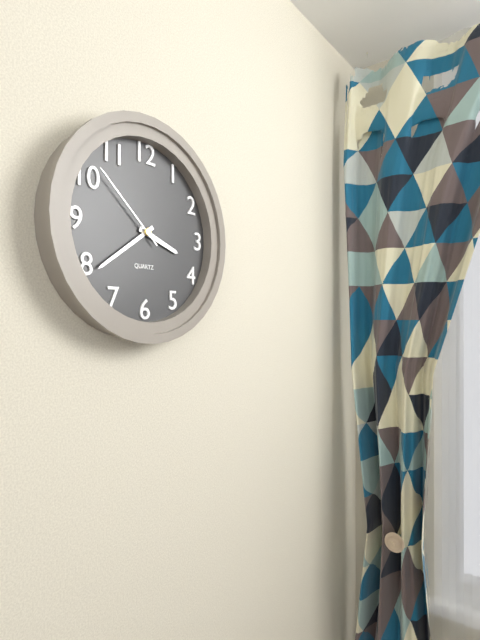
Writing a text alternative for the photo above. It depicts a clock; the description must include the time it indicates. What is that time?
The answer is 3:39:52
